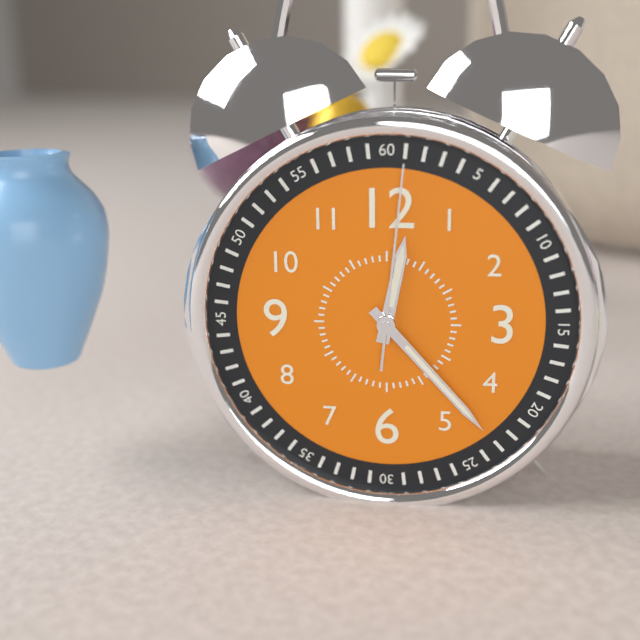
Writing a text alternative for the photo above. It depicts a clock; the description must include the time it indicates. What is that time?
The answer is 12:23:01
